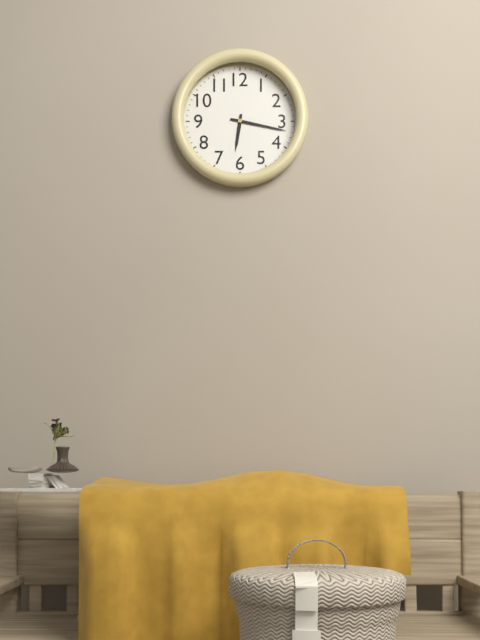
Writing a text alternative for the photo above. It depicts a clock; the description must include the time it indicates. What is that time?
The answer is 6:17
